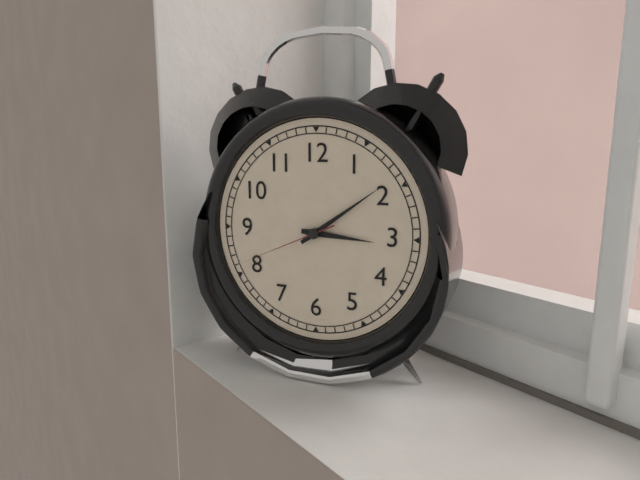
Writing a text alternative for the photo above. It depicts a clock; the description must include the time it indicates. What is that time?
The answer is 3:09:41
